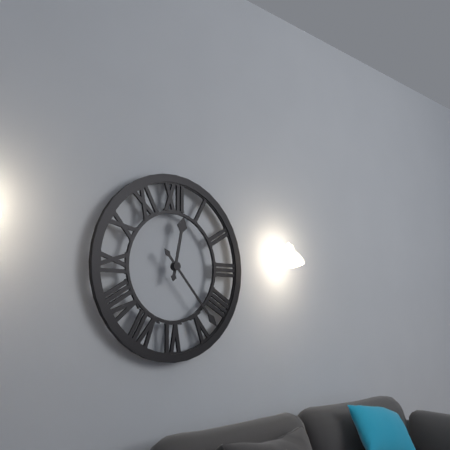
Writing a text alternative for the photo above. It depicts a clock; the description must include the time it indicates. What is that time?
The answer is 12:23
